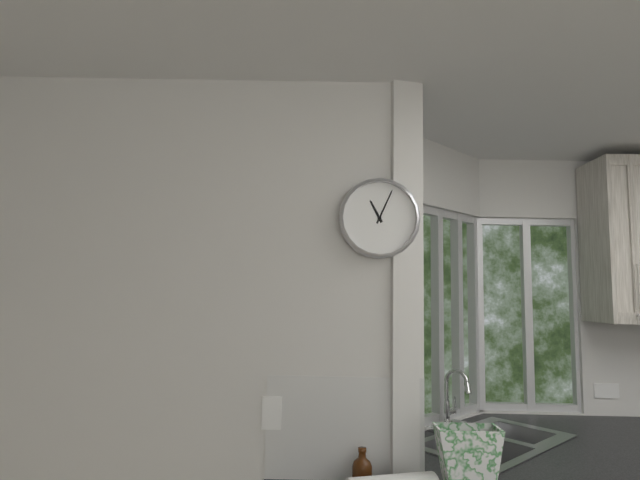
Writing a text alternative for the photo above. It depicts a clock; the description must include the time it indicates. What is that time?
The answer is 11:04
